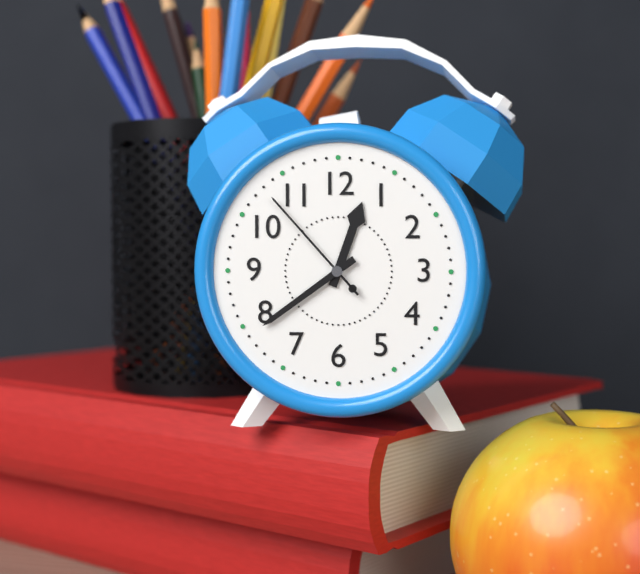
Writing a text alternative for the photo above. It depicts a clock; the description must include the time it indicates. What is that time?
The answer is 12:39:53
